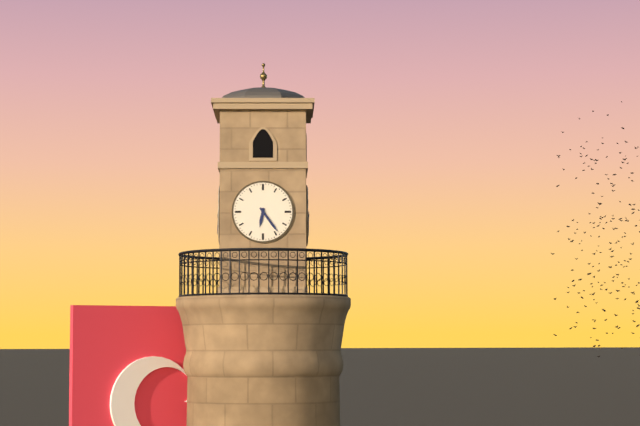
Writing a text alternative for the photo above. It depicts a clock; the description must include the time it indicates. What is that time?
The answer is 6:24
